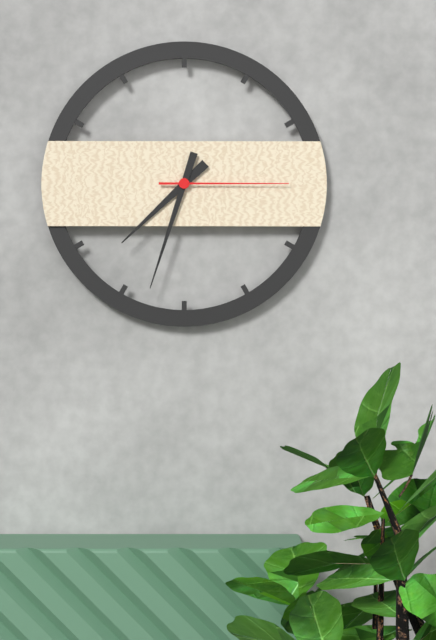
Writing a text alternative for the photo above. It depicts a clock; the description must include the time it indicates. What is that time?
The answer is 7:33:15
